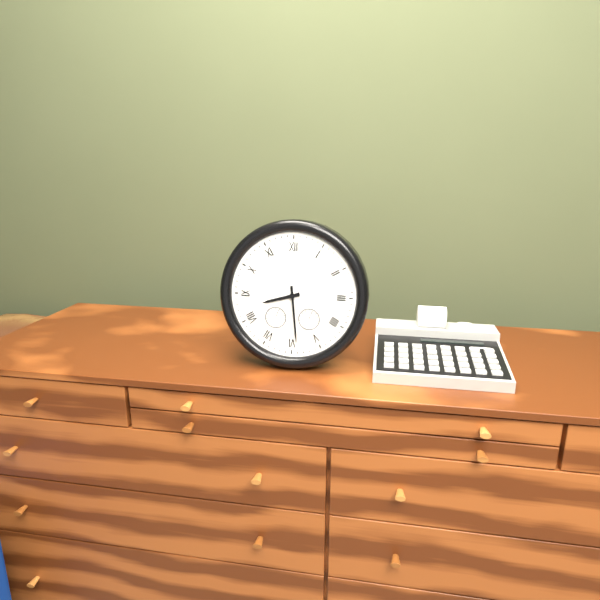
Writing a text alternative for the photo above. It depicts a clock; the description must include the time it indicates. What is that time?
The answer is 8:29
